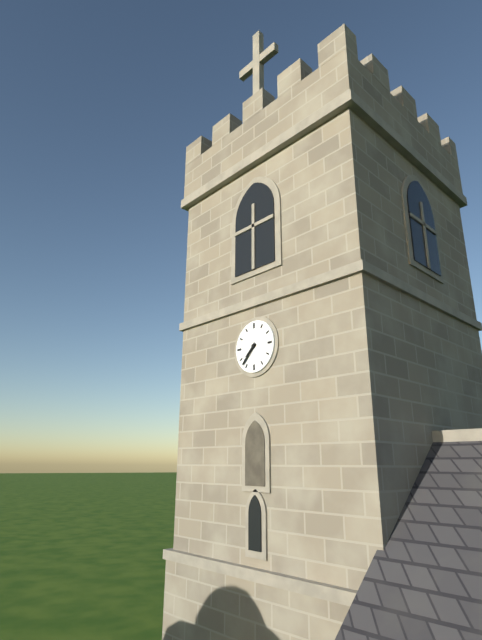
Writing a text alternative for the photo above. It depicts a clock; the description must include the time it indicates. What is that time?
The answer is 7:37
